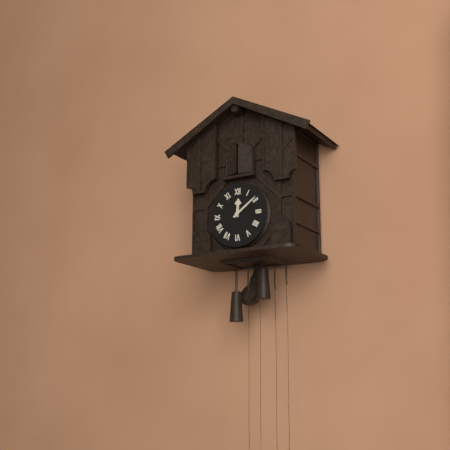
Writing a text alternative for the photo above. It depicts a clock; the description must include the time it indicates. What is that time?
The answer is 12:09
